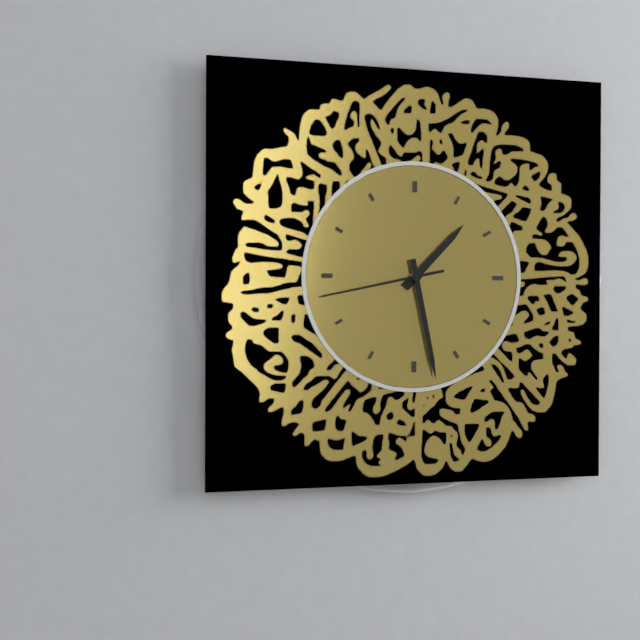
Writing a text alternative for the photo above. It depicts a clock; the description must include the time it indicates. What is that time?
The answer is 1:28:43
